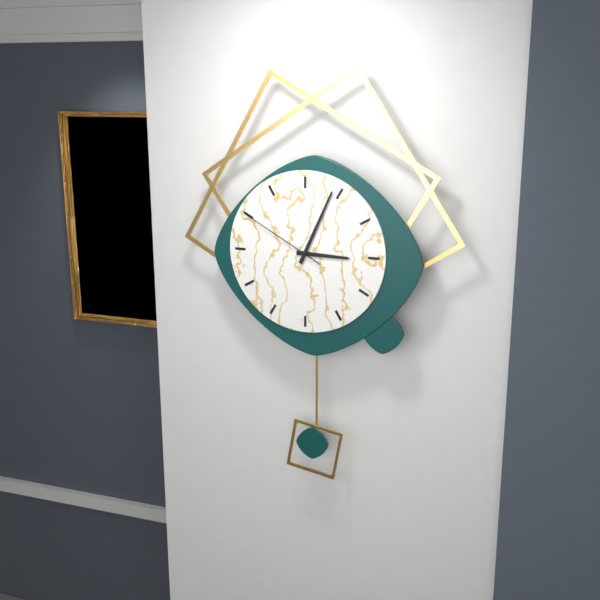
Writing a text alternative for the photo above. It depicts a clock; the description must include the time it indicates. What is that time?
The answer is 3:04:50
